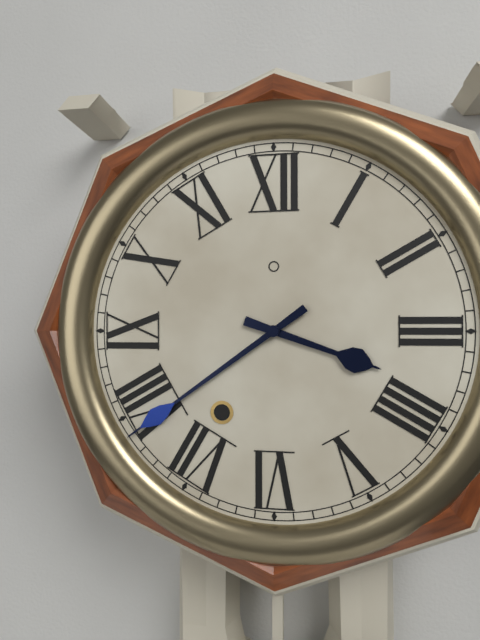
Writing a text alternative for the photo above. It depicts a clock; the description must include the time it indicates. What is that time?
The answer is 3:39
